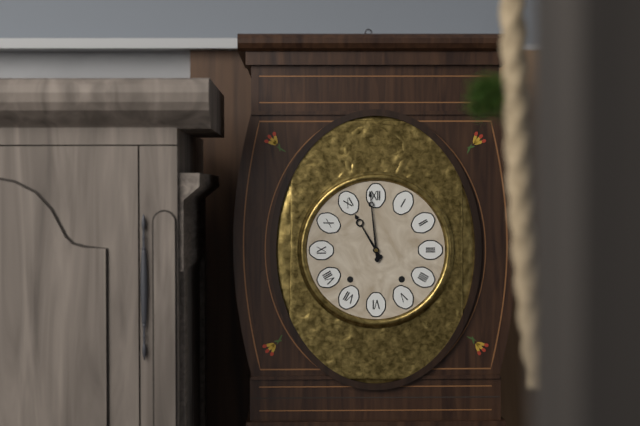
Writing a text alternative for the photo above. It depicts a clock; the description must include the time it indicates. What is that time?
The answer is 10:59
